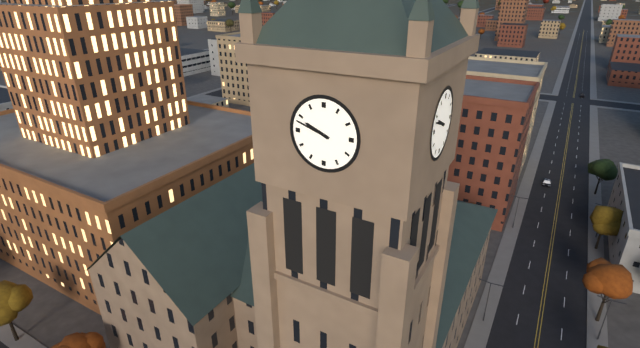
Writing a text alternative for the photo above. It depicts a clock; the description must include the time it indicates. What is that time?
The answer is 9:48
